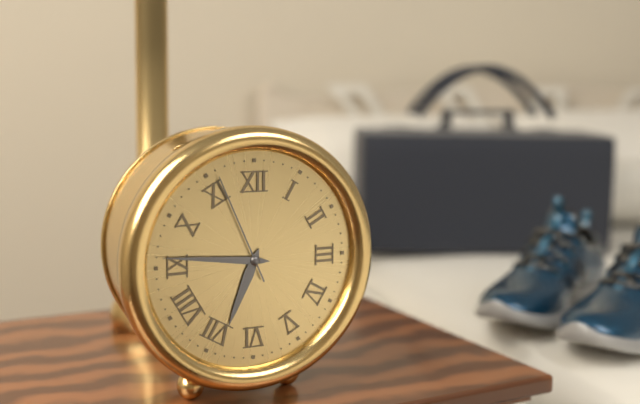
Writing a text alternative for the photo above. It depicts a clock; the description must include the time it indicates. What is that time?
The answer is 6:46:56
